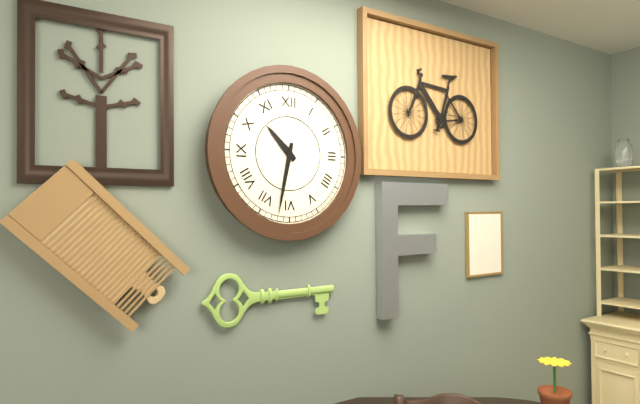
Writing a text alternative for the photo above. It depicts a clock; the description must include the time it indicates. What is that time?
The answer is 10:32
